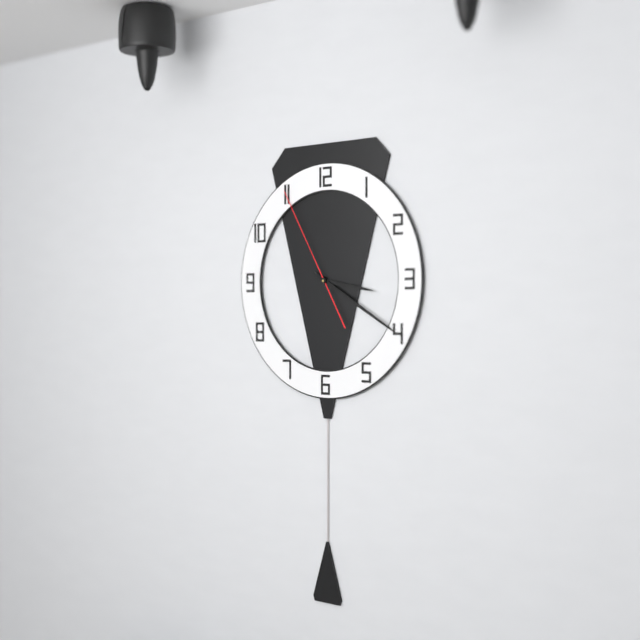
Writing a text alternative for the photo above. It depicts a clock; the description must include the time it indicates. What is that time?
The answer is 3:20:55
